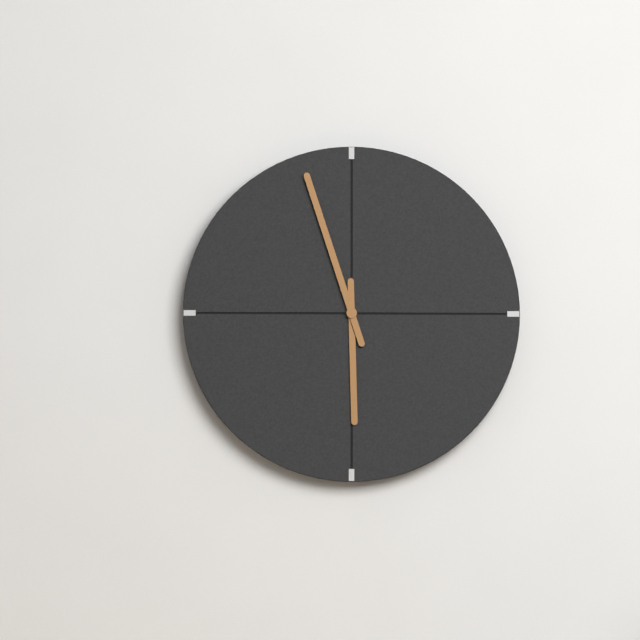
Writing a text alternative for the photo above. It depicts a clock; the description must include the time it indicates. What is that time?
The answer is 5:57
